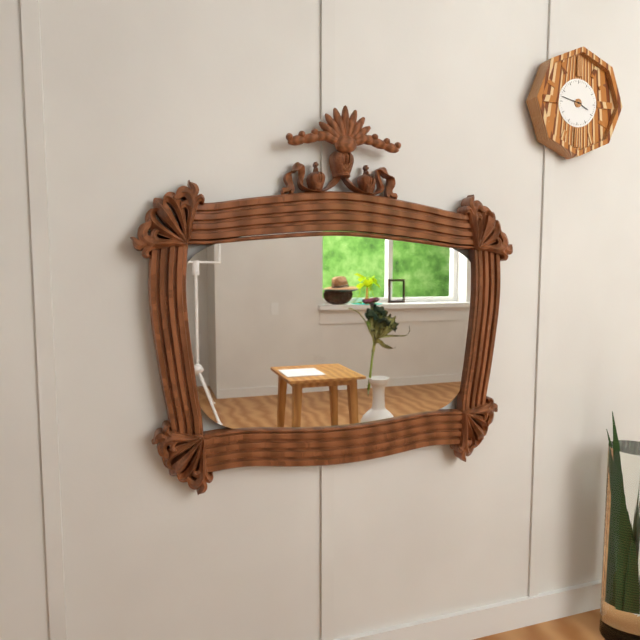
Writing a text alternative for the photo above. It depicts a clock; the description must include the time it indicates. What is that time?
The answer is 3:47
